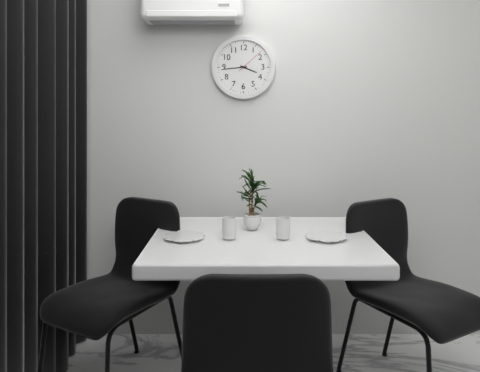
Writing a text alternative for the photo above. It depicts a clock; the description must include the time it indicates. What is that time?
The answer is 3:44
